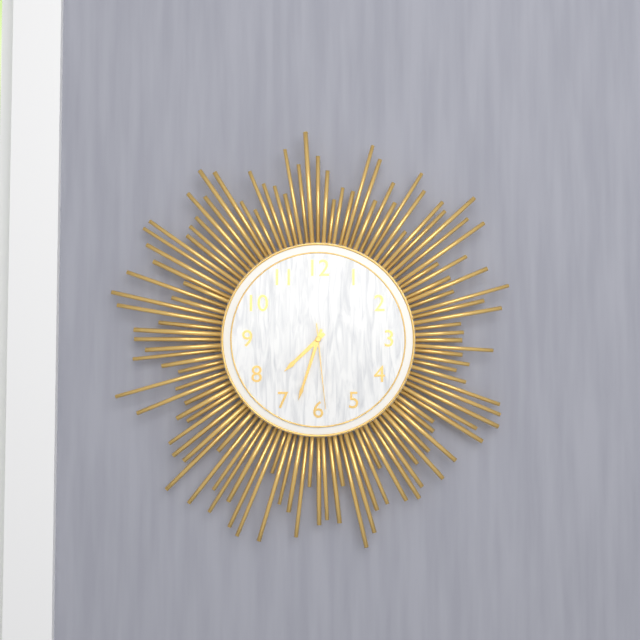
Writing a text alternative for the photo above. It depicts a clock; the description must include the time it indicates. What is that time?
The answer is 7:33:29
